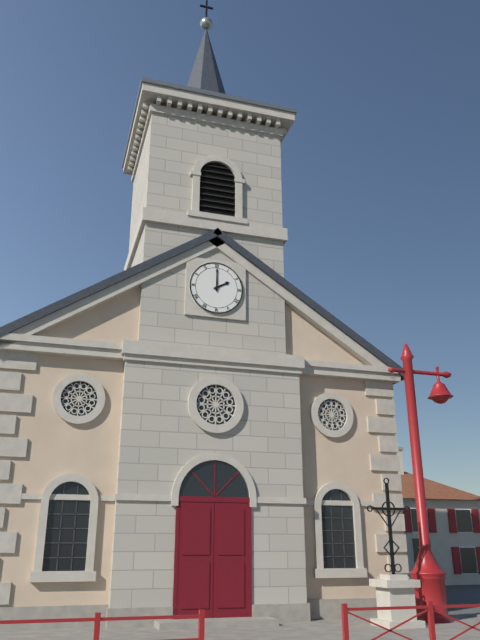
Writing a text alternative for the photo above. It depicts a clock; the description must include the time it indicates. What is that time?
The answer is 2:00
